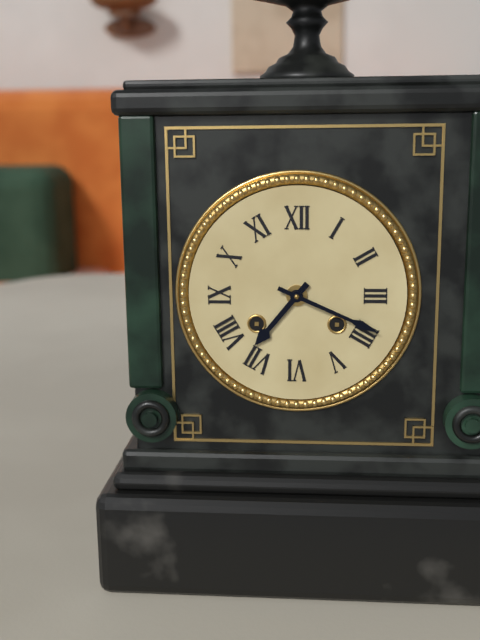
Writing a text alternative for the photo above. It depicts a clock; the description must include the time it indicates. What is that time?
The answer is 7:19
